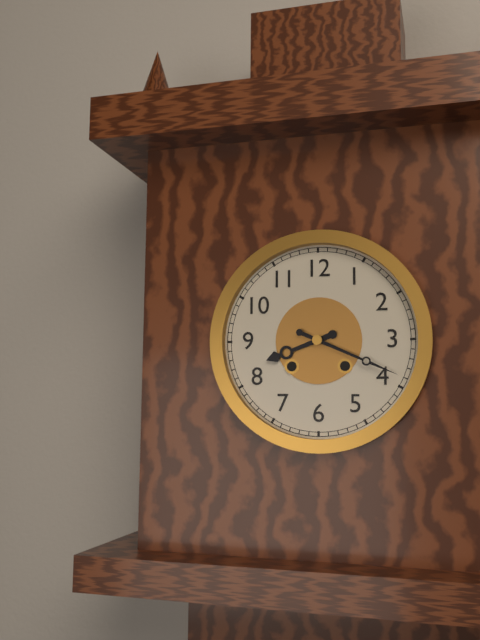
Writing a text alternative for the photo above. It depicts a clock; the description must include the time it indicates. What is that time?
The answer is 8:19
